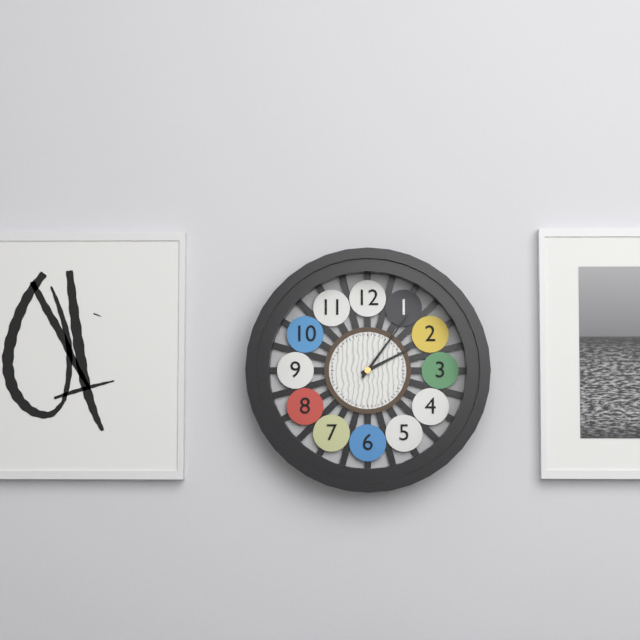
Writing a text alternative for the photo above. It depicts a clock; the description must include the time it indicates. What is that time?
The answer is 2:06
